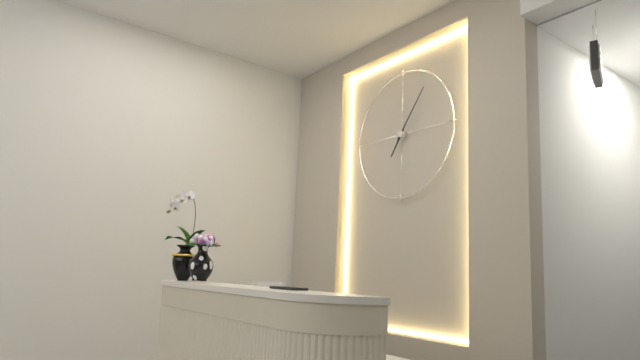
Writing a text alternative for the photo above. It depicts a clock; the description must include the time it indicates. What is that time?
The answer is 7:06
